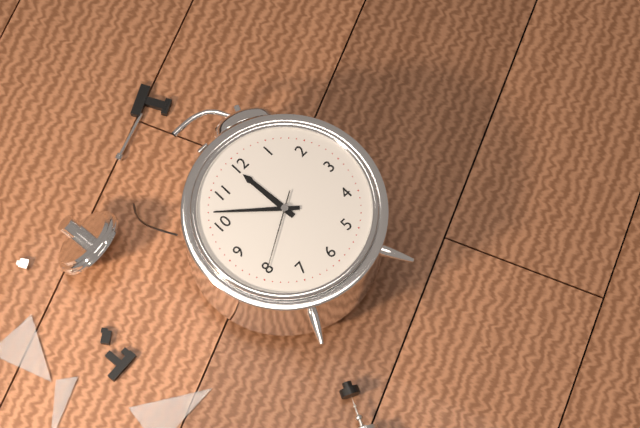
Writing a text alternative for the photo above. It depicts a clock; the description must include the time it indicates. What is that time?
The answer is 11:52:40
